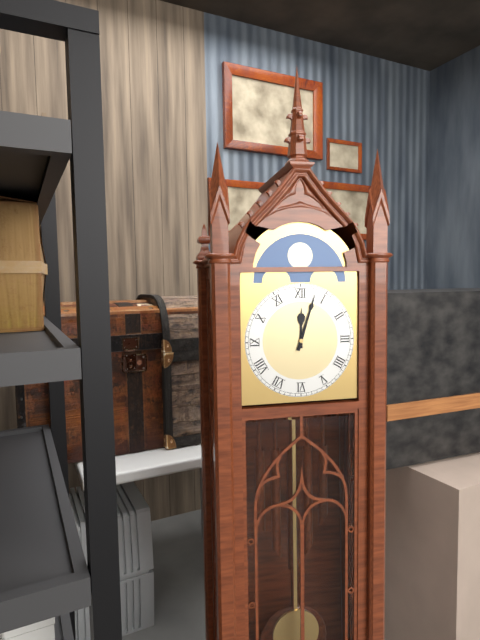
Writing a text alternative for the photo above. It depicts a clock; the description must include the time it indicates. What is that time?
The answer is 12:03
